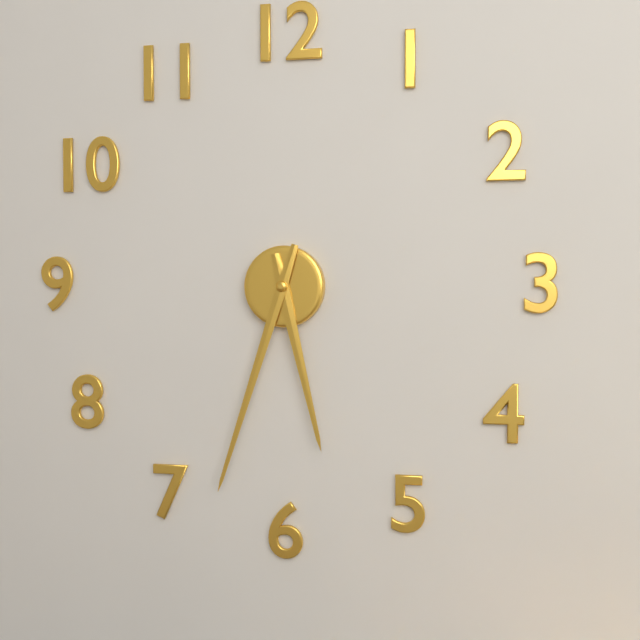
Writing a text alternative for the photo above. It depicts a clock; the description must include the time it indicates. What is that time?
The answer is 5:33
